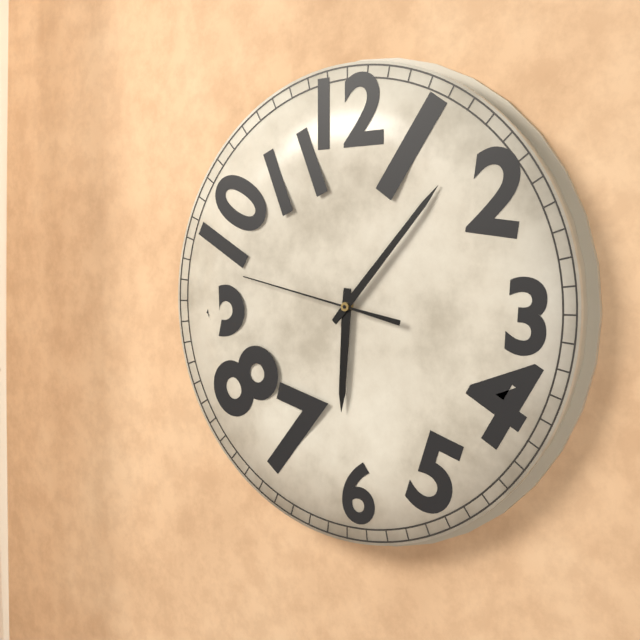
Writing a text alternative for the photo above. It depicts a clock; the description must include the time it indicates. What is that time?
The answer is 6:07:47
